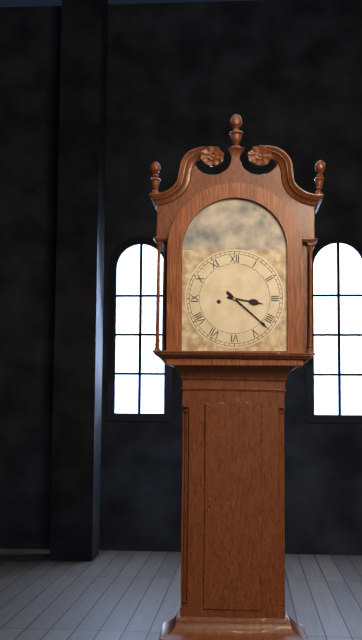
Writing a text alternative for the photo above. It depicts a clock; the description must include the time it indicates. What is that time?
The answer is 3:22
